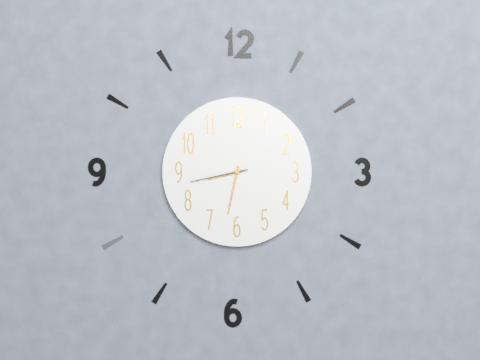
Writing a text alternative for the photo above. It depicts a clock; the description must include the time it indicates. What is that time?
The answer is 8:32:43
